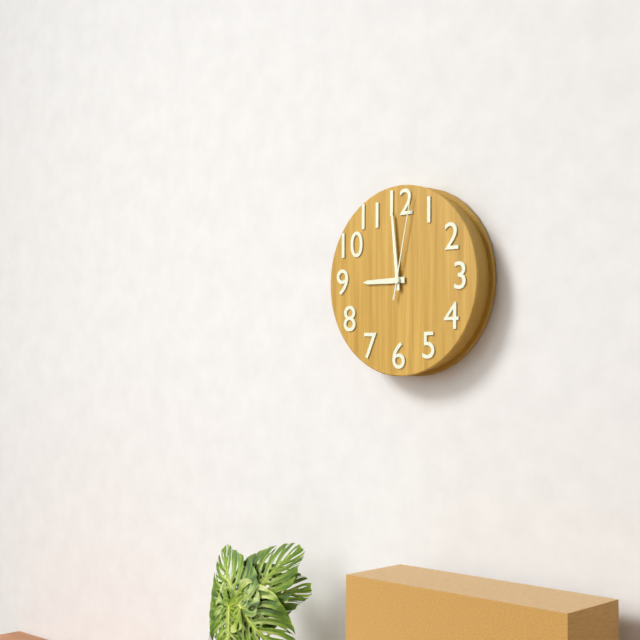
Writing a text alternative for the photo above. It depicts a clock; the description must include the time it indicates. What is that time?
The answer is 8:59:02
